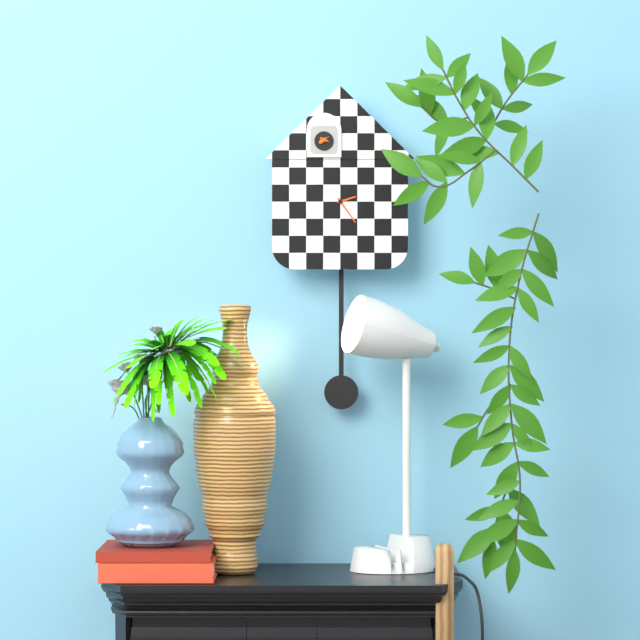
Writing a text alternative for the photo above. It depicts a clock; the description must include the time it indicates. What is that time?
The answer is 2:24
